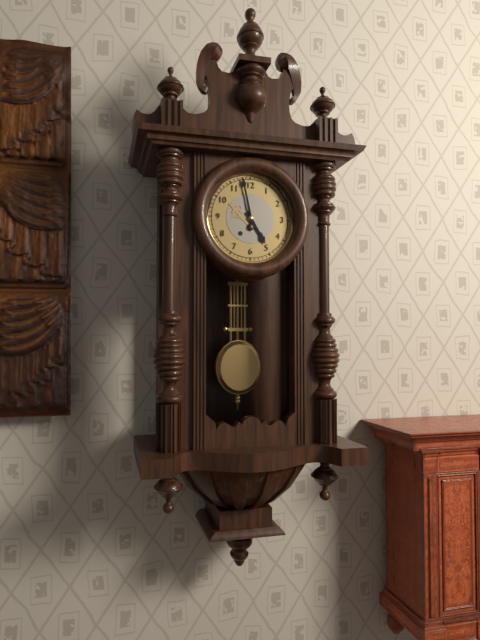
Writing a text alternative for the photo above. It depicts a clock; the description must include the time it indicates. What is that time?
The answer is 4:58
